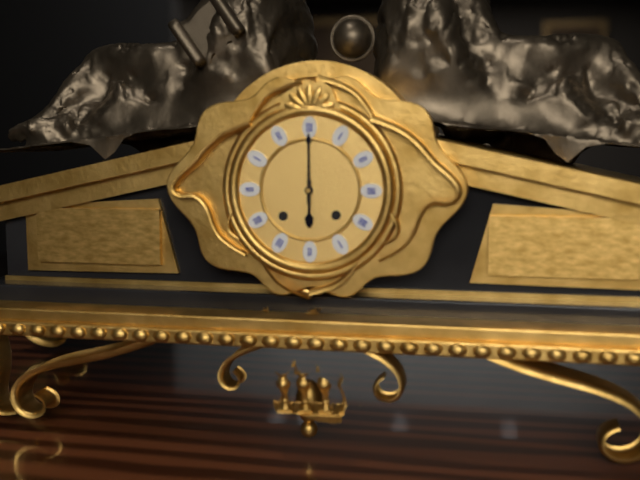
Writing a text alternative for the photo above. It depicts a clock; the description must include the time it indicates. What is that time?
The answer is 6:00
